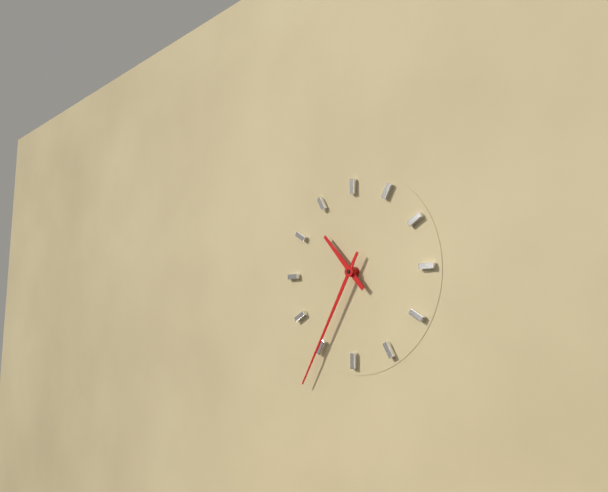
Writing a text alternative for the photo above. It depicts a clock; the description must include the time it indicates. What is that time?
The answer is 10:35
